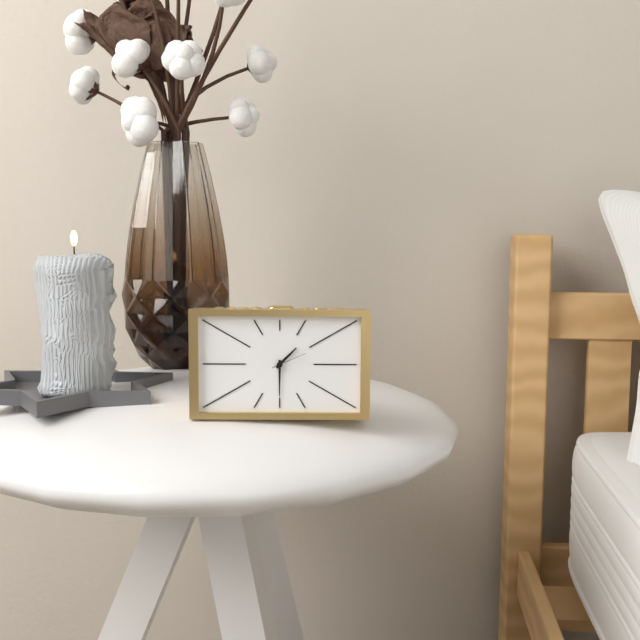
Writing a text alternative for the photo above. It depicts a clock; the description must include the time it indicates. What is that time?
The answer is 1:30
